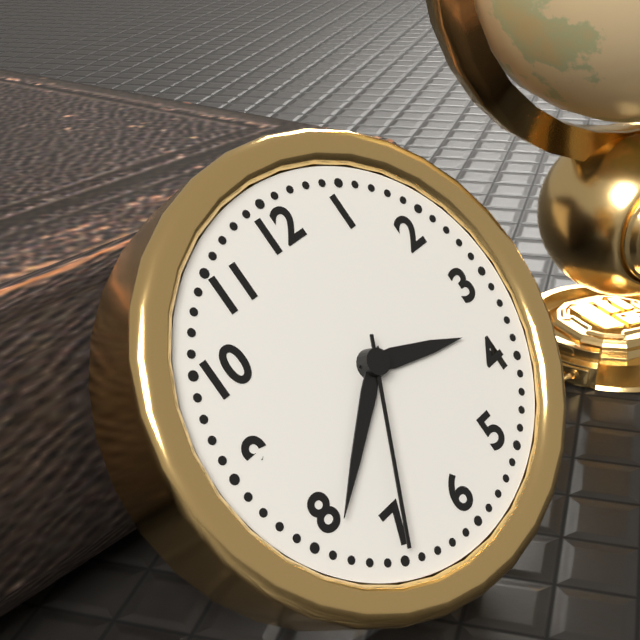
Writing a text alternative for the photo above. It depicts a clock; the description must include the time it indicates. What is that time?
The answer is 3:39:35
